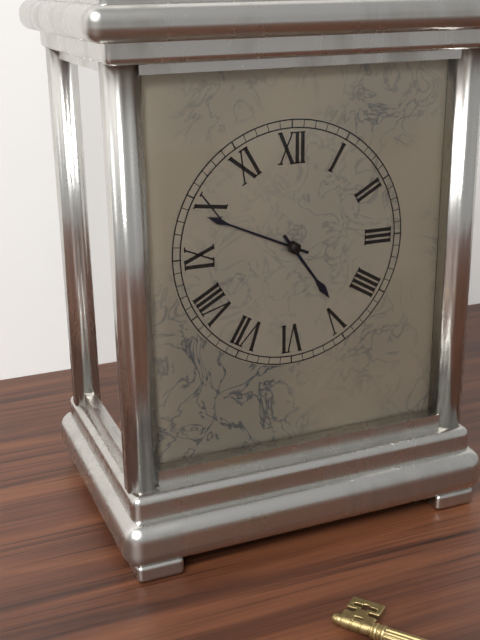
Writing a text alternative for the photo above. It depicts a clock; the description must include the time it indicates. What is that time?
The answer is 4:49
